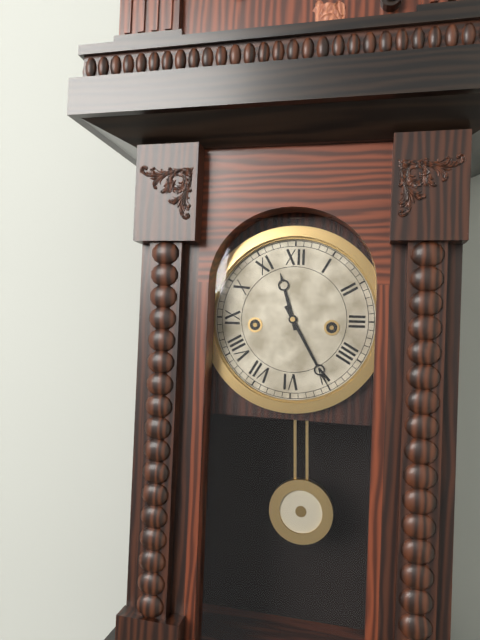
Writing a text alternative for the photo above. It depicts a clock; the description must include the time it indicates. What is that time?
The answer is 11:25
